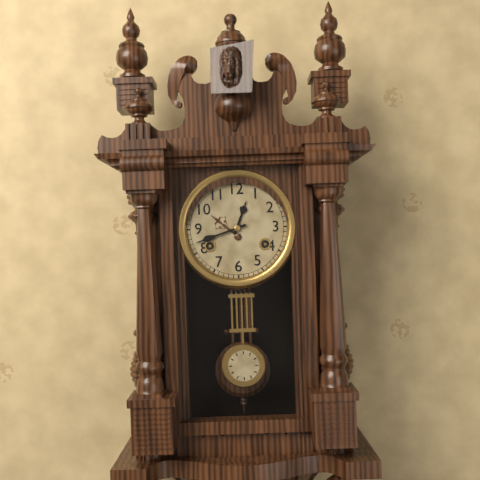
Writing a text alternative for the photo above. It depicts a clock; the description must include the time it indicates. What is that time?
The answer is 12:42
